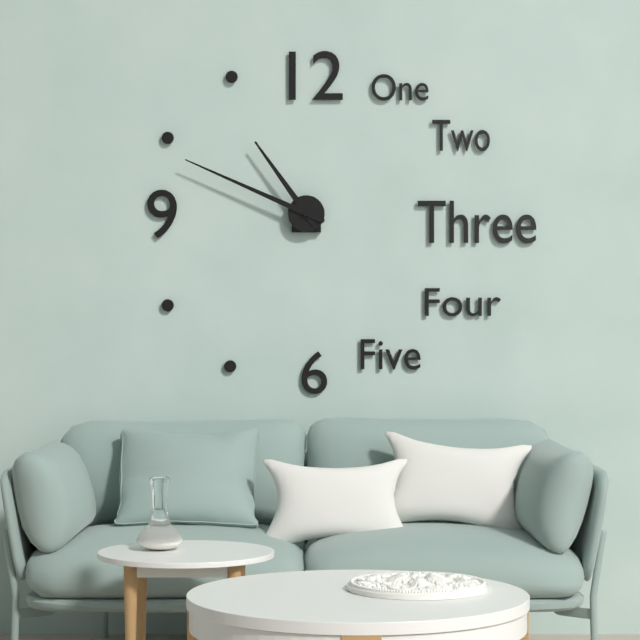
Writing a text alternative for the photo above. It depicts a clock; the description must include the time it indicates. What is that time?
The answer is 10:49
